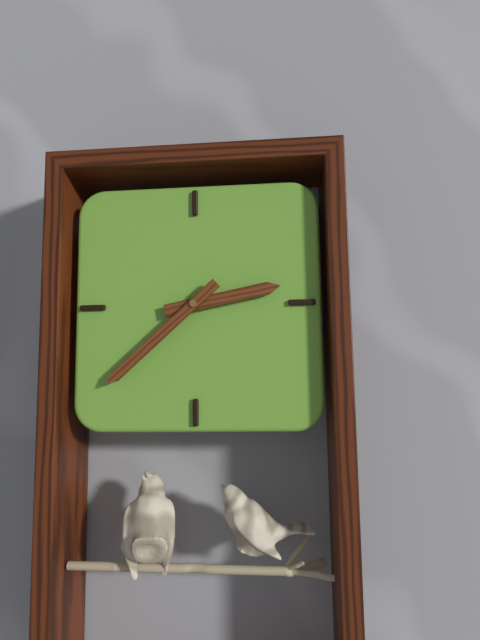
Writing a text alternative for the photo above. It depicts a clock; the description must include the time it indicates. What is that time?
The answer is 2:38
